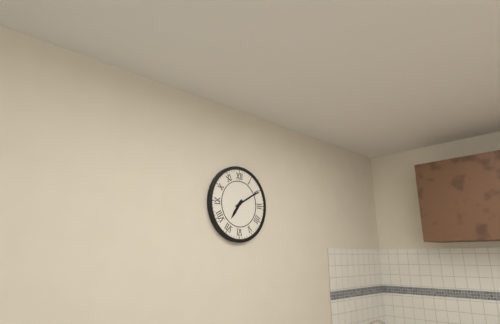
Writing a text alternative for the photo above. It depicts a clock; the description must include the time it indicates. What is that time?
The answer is 7:10
